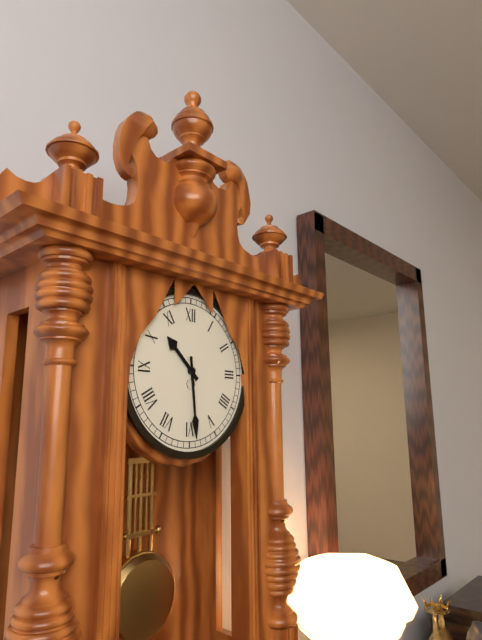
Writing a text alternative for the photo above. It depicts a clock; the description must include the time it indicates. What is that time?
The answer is 10:29
